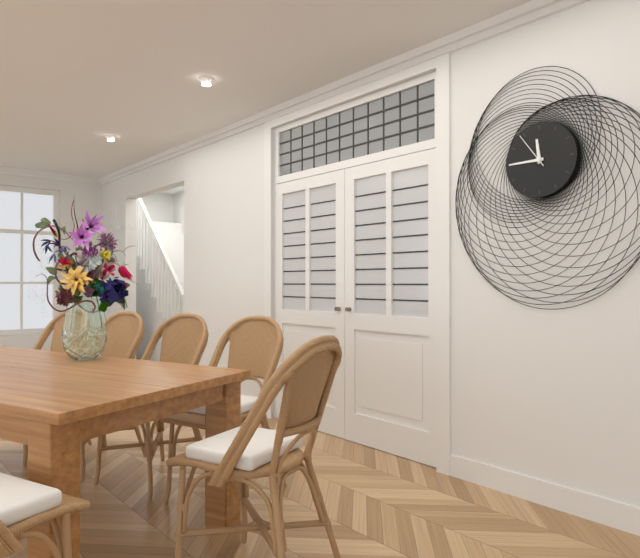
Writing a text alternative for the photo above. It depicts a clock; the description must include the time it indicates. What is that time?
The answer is 11:45
